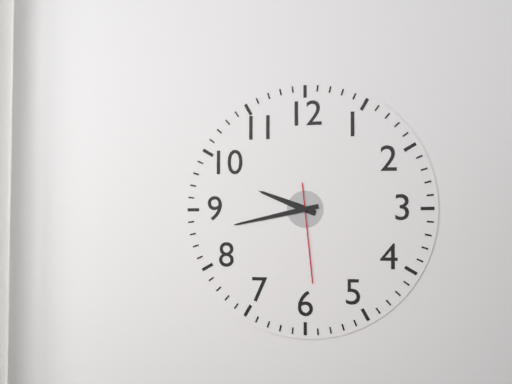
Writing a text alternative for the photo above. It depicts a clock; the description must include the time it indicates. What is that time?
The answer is 9:43:29
